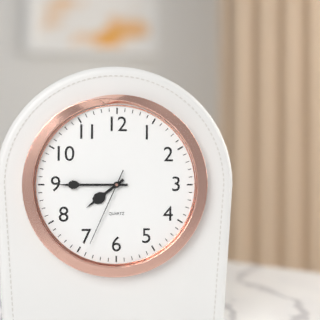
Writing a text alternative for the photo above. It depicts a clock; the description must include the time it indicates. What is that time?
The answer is 7:45:34
